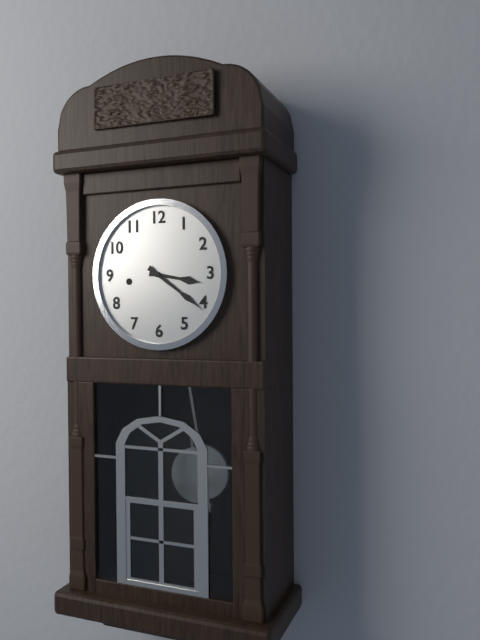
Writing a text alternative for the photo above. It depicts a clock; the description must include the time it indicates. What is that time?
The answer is 3:21
